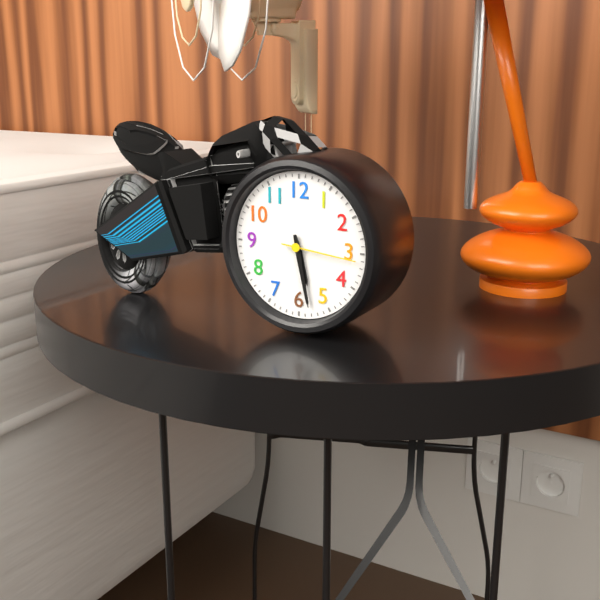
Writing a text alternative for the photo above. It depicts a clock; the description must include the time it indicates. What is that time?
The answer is 5:28:16
